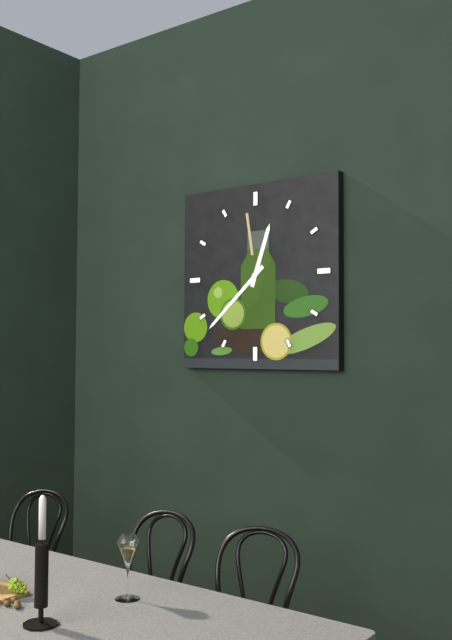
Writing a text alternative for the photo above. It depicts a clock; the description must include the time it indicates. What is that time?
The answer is 12:38
